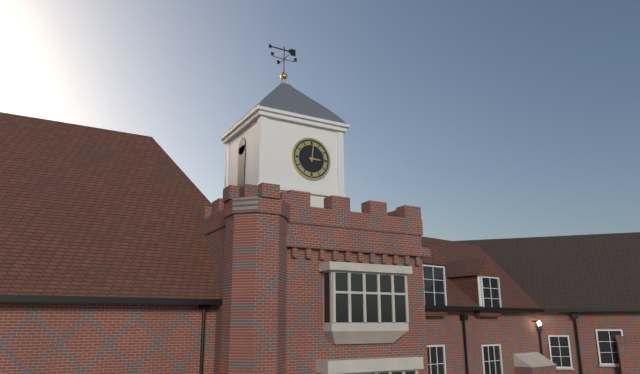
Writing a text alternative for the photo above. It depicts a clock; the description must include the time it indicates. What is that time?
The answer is 3:01
